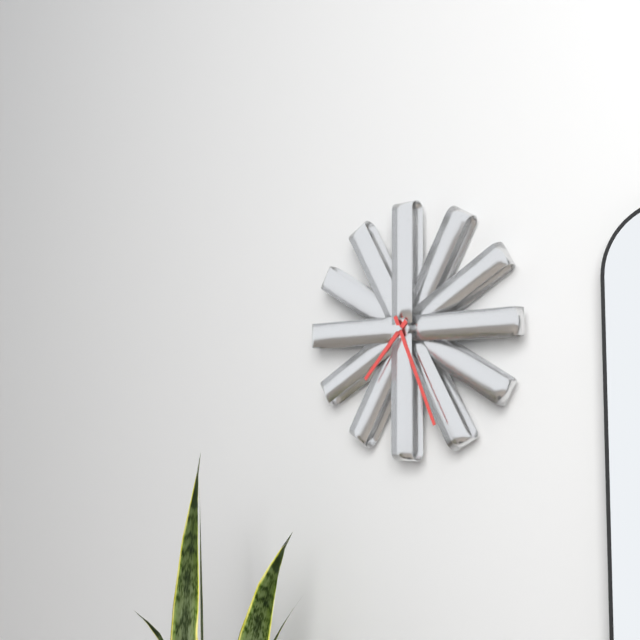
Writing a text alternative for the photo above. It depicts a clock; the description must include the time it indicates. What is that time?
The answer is 7:26
